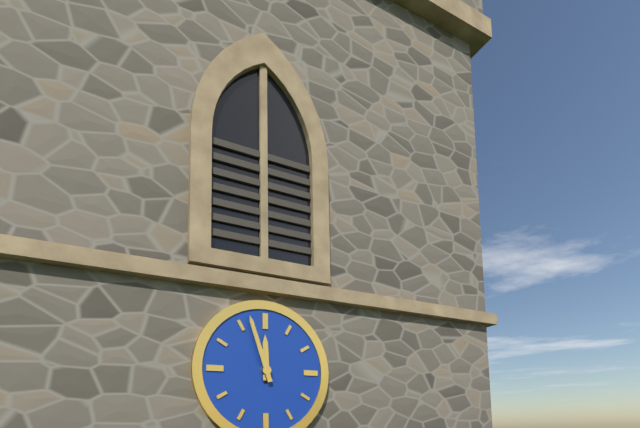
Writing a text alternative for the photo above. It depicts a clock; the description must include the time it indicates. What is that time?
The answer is 11:57
